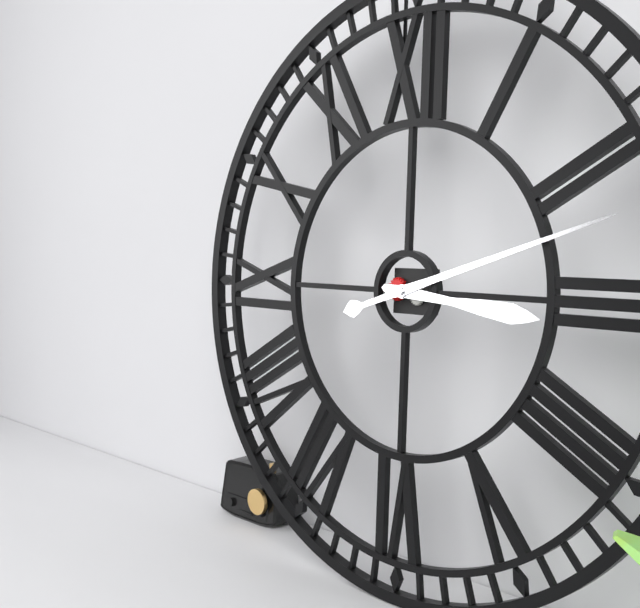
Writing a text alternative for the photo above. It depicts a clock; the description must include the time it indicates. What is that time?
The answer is 3:12
